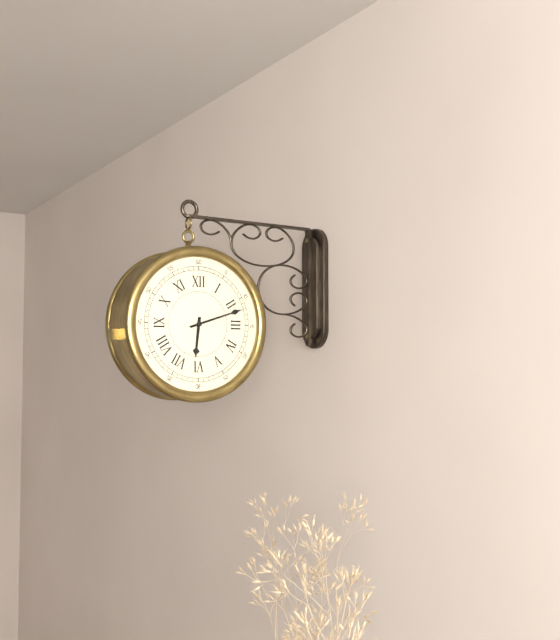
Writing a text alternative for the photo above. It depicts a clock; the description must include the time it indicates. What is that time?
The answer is 6:12
